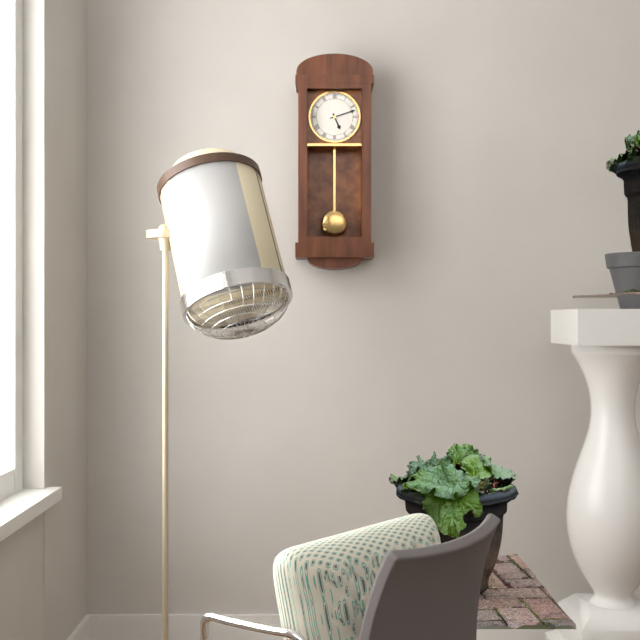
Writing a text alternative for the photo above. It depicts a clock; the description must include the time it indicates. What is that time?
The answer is 5:12
